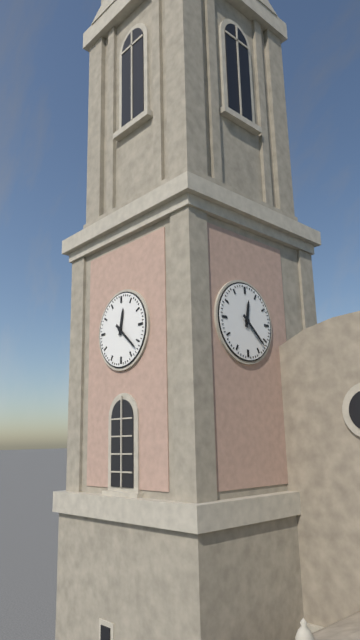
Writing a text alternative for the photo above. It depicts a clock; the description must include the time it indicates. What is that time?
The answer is 12:22
